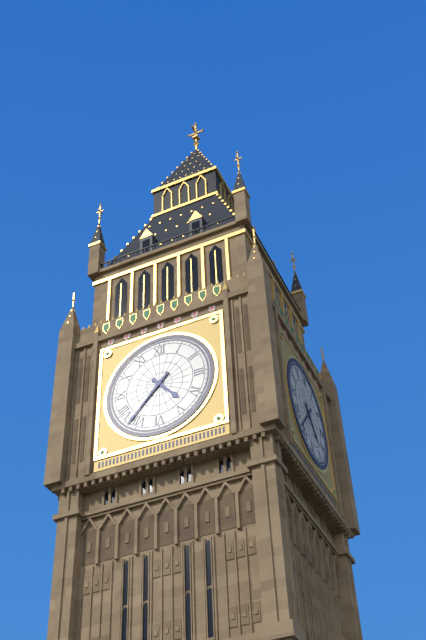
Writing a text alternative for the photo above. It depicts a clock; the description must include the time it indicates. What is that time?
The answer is 4:37
